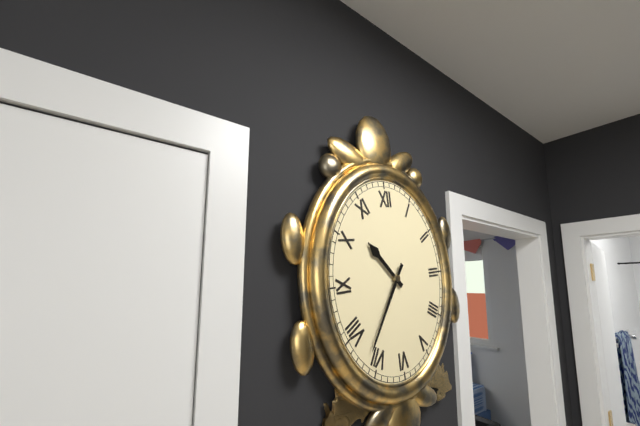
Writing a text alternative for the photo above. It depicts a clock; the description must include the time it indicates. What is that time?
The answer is 10:36
